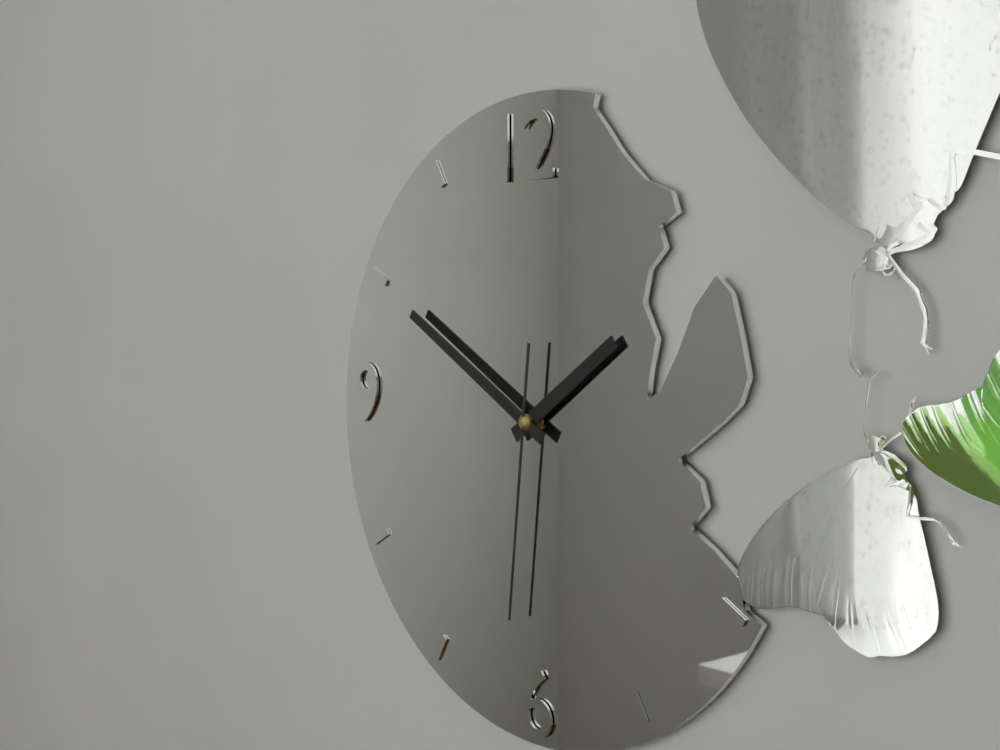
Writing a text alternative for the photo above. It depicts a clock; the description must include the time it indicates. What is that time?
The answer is 1:50:31
